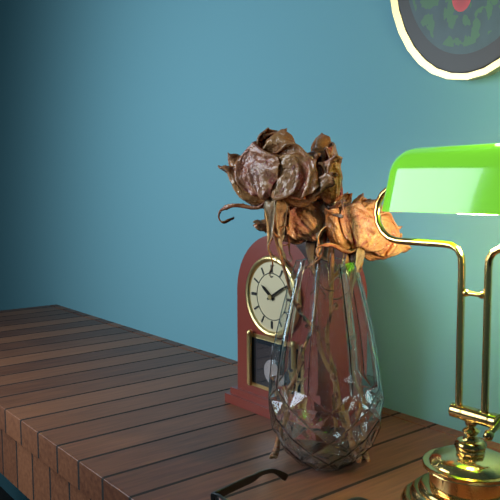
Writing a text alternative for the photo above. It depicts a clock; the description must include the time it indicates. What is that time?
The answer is 10:10
